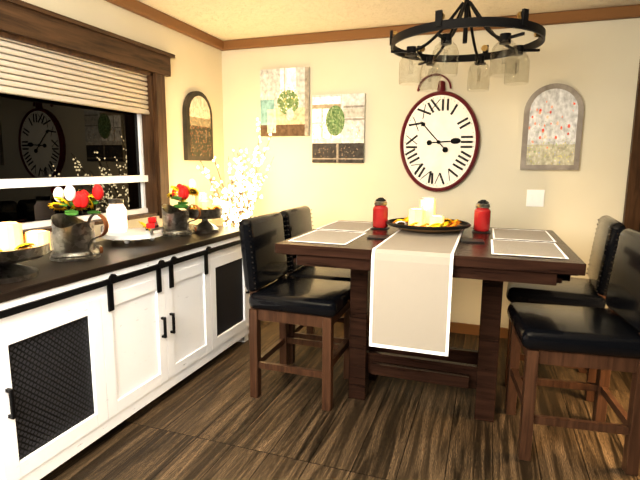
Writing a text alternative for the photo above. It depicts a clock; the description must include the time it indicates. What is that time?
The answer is 2:53
